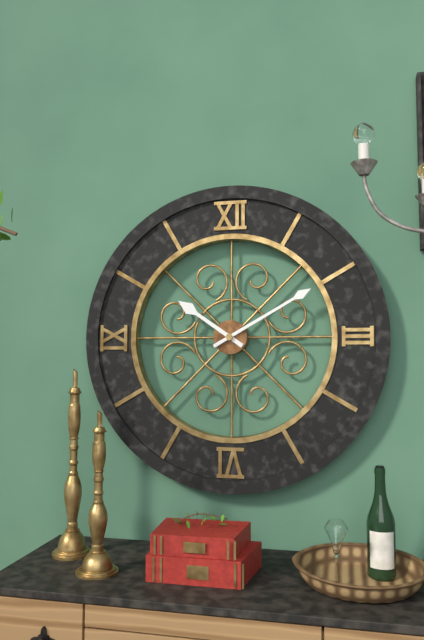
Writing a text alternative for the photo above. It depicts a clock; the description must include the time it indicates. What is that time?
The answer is 10:10
